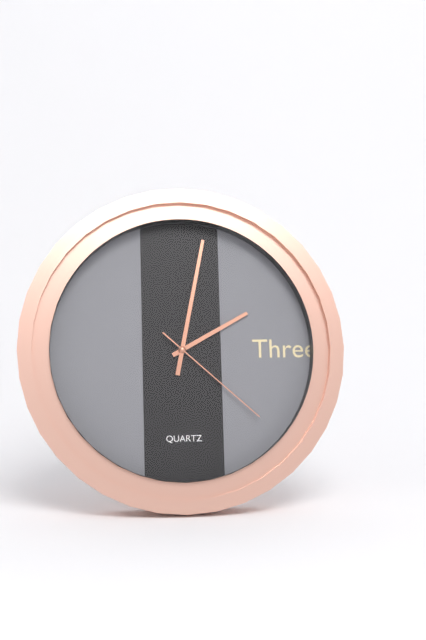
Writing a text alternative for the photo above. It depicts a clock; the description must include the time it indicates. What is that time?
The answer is 2:02:22
